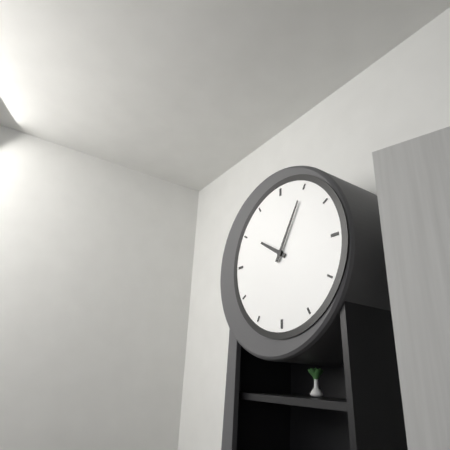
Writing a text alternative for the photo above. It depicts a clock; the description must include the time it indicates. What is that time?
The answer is 10:05
